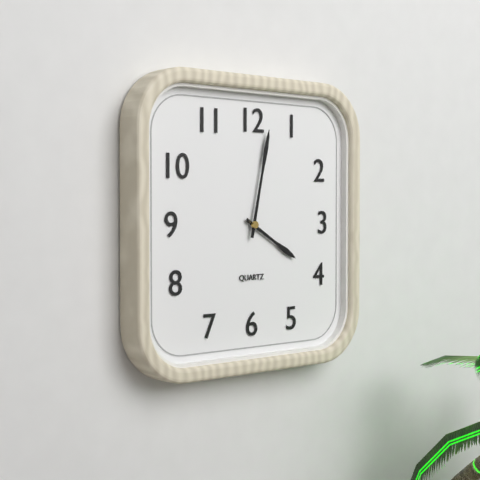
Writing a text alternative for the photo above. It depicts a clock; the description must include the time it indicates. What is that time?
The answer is 4:02
